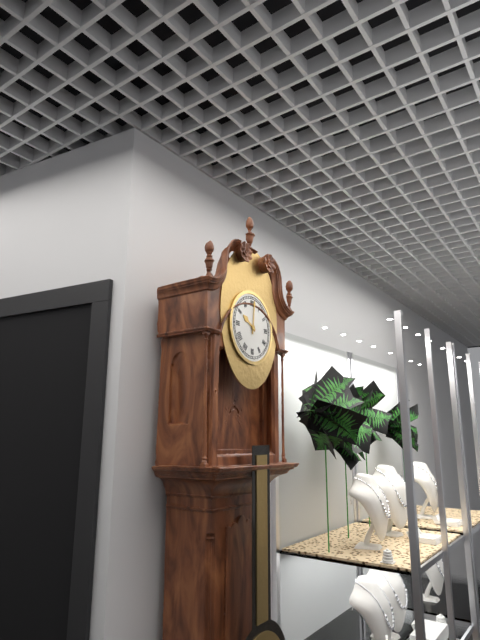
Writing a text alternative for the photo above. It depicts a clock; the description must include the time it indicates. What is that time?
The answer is 10:01
